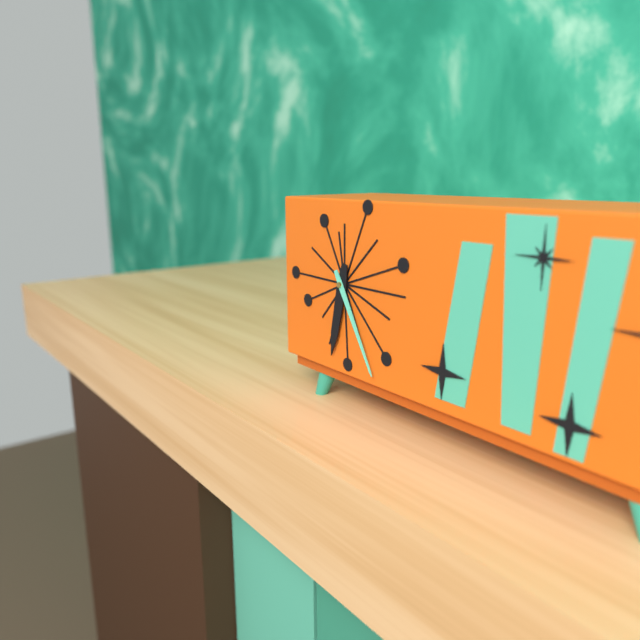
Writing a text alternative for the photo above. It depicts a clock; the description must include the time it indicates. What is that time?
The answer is 6:25
